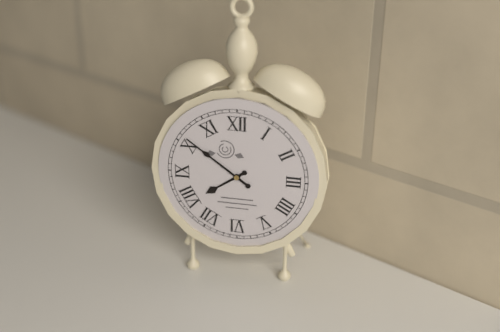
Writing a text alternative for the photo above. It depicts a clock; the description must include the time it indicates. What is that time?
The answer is 7:51
